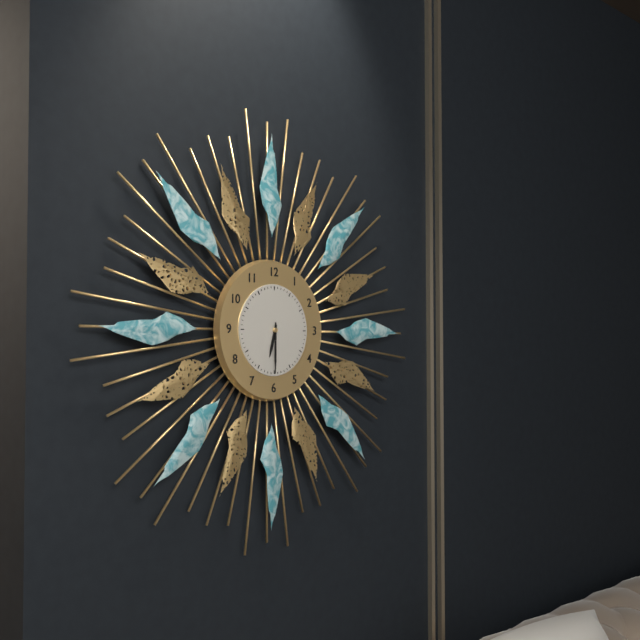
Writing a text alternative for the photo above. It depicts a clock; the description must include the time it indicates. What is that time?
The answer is 6:30
